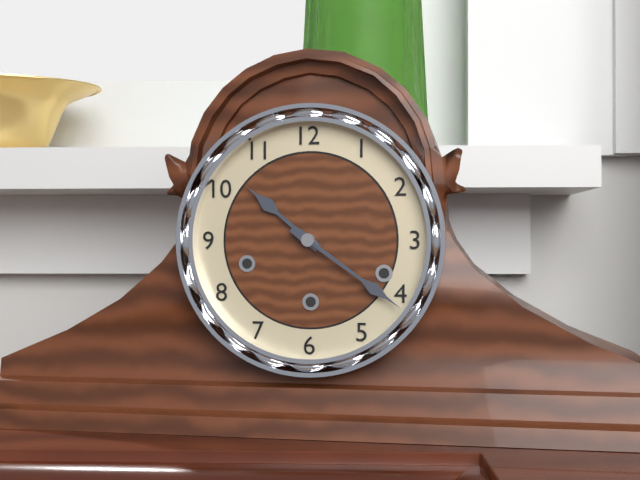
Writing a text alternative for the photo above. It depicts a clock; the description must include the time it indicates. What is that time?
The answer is 10:21
